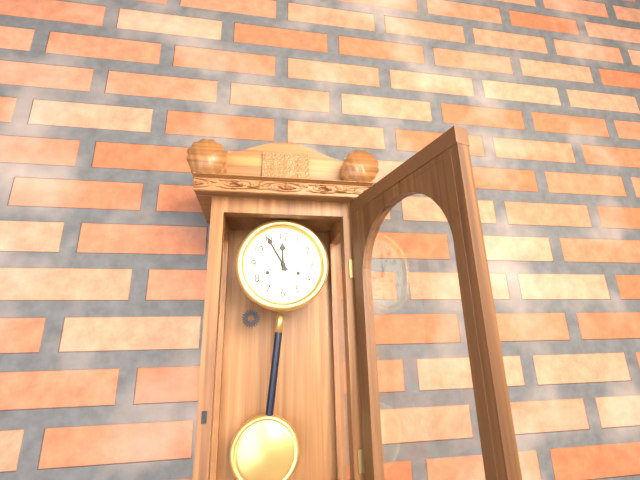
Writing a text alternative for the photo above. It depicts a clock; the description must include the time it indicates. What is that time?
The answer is 11:55
